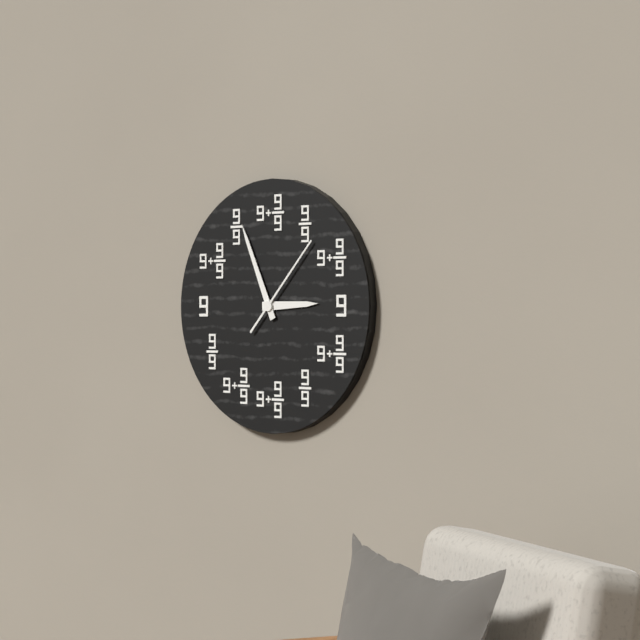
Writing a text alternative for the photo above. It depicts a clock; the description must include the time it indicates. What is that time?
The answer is 2:56:07
